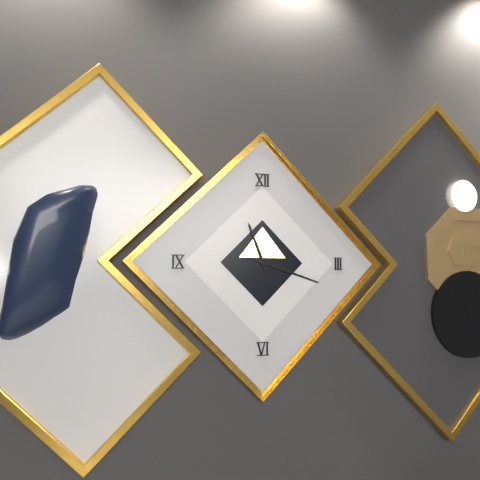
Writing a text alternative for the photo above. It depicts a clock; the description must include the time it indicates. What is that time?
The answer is 11:18
